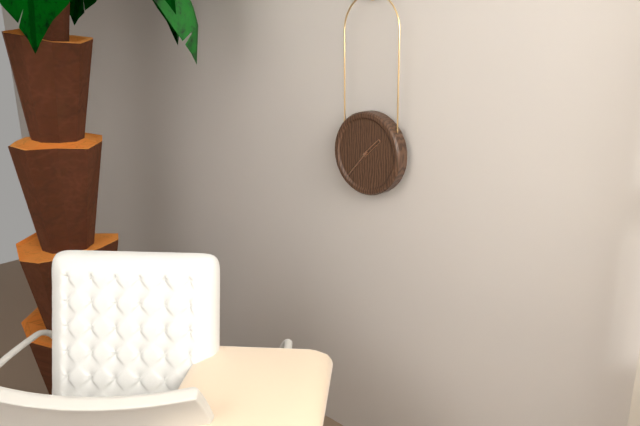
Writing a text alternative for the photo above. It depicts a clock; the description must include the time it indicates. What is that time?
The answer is 1:37
